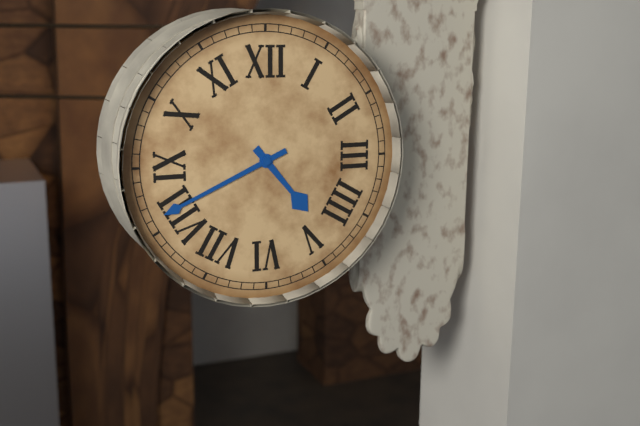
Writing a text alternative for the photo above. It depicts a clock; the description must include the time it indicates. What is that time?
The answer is 4:41
